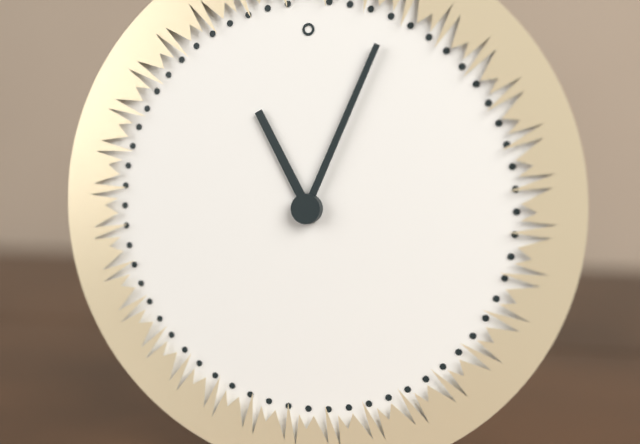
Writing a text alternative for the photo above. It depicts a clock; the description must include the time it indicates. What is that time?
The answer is 11:04
